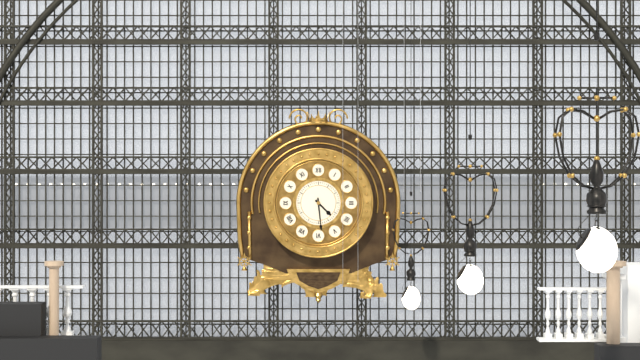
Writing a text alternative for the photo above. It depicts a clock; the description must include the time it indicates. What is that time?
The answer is 4:29
